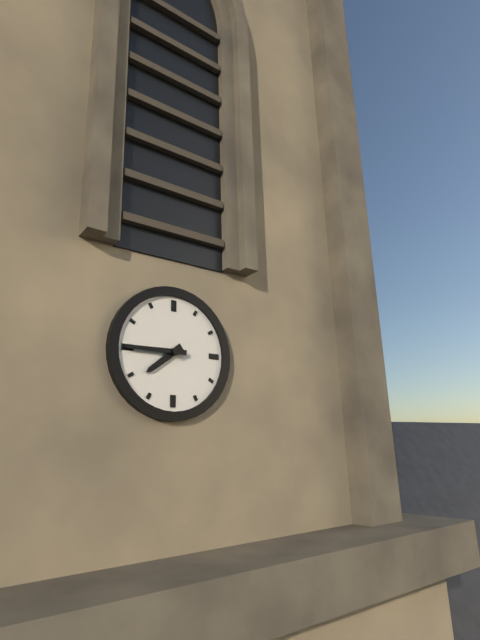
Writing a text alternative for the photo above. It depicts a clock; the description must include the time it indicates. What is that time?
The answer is 7:45
